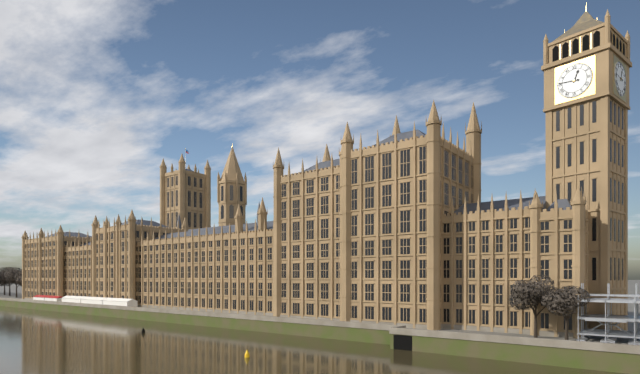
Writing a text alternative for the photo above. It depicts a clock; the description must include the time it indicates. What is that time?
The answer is 12:46
